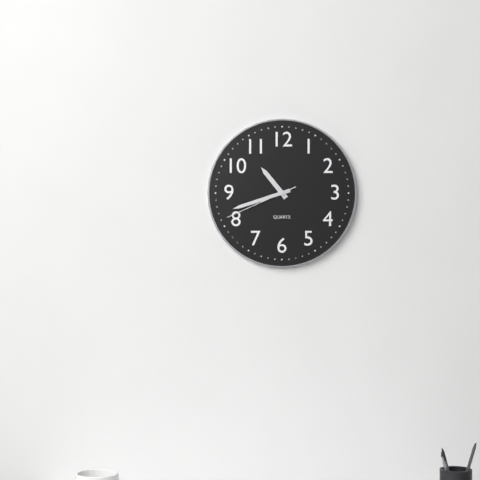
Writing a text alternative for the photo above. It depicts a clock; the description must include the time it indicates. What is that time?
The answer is 10:42:41
